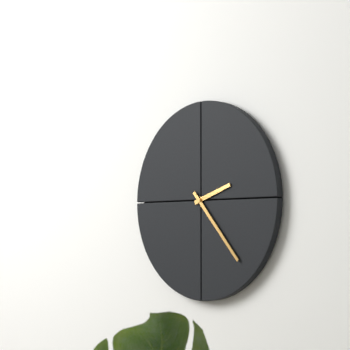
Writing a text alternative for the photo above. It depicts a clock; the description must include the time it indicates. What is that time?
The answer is 2:23
